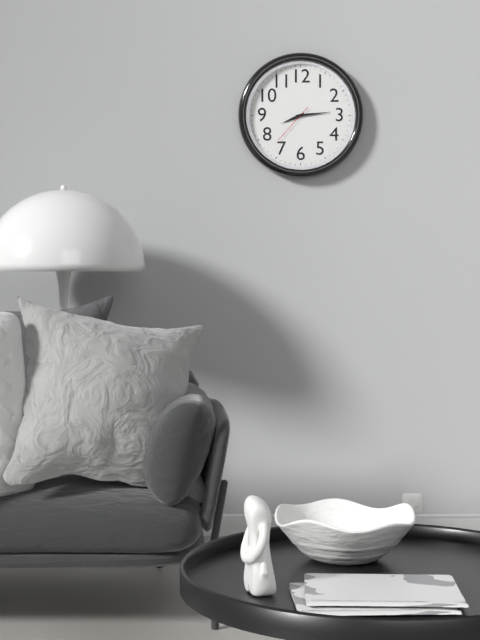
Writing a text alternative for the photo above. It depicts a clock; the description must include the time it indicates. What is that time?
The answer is 8:14
